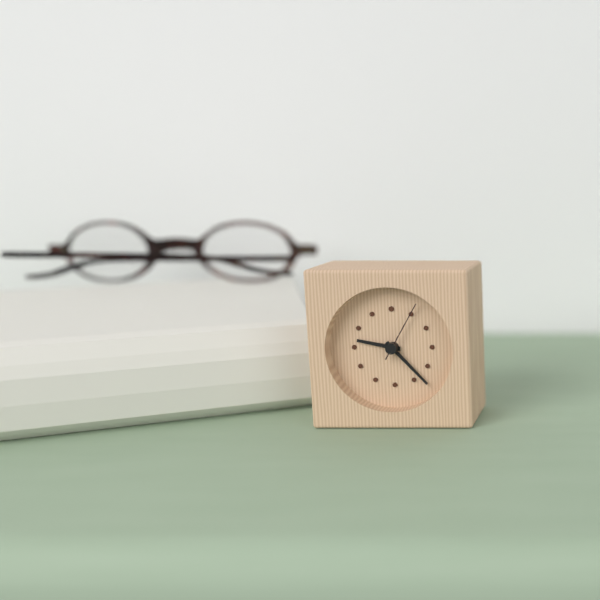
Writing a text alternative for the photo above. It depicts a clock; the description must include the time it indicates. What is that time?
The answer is 9:23:05
